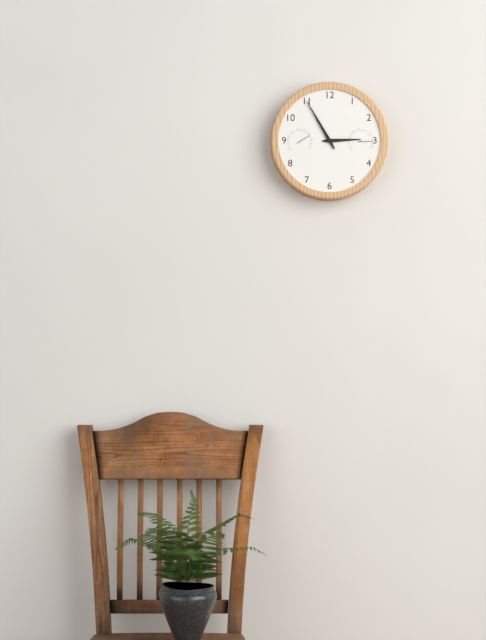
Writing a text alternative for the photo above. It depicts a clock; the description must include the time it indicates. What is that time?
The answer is 2:55
